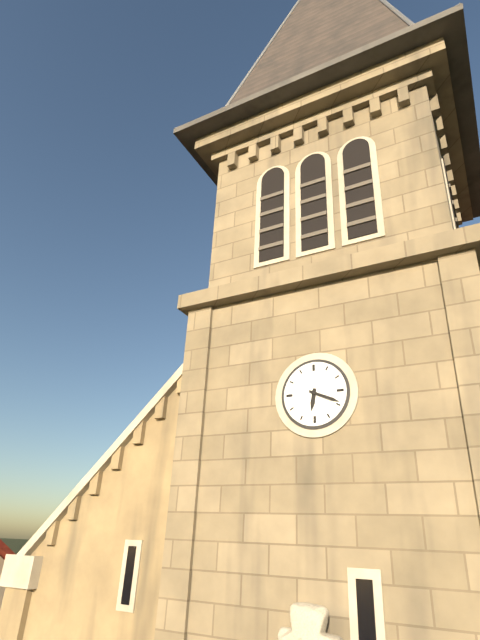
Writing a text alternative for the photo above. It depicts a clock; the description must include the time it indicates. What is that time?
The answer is 6:19
